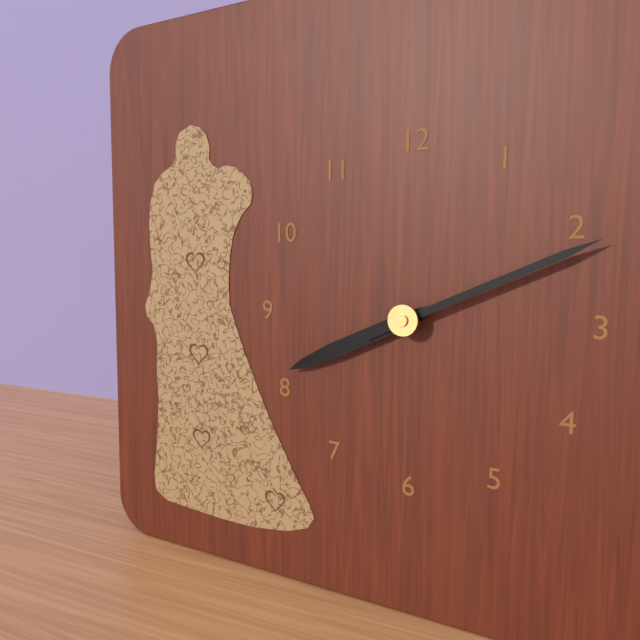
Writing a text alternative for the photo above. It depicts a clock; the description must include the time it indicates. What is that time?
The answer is 8:11
